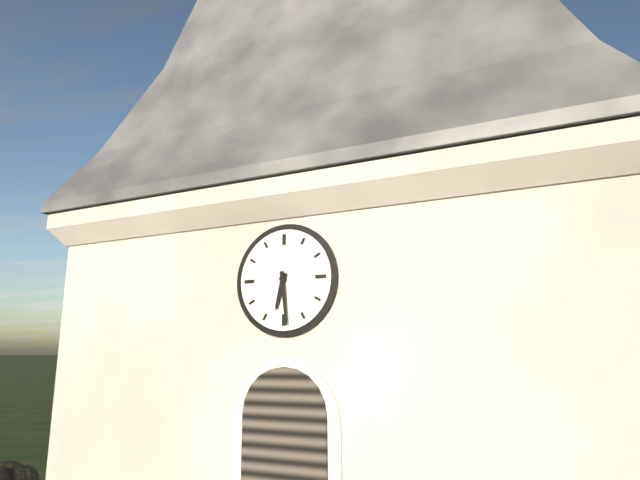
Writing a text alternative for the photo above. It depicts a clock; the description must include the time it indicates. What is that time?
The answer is 6:29
